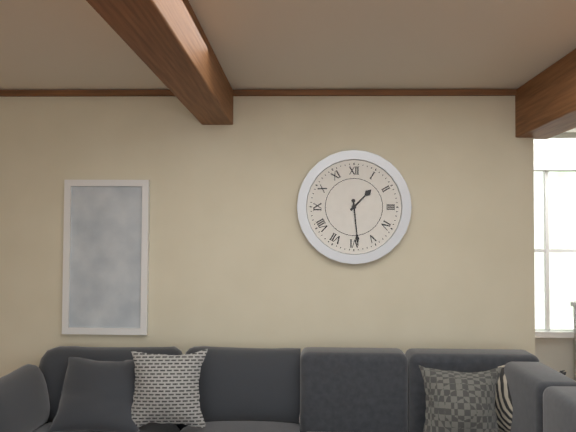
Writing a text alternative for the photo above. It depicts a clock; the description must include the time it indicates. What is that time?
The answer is 1:29
